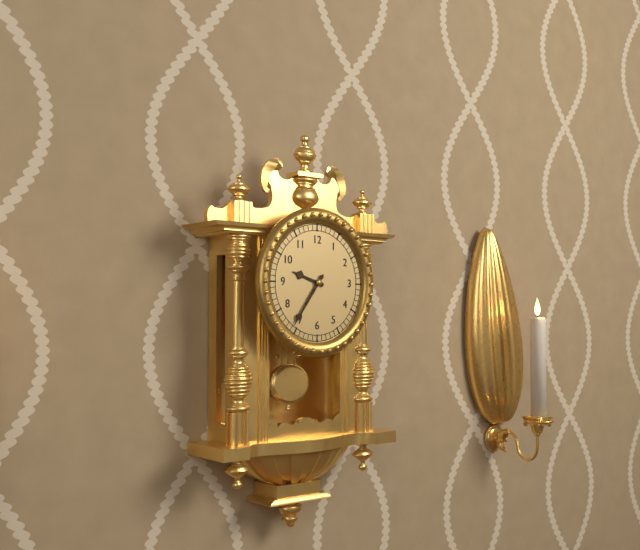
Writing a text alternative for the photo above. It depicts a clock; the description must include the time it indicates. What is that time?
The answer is 9:36
